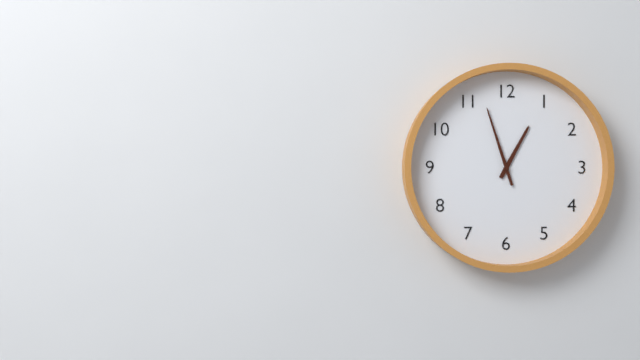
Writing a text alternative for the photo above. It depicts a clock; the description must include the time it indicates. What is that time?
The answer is 12:57
